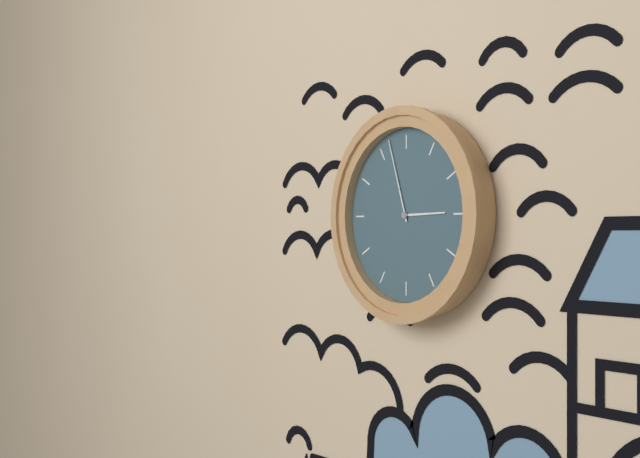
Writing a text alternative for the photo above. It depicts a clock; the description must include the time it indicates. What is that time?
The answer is 2:57
